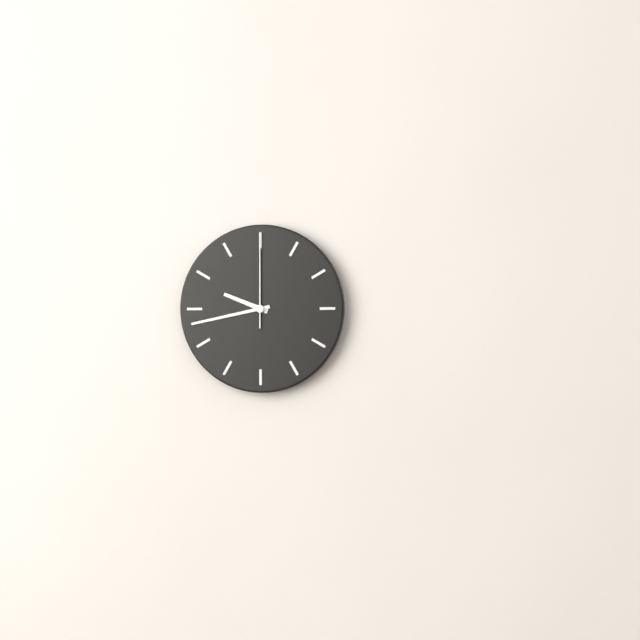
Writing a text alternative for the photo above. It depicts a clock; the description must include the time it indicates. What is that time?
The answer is 9:43:00
